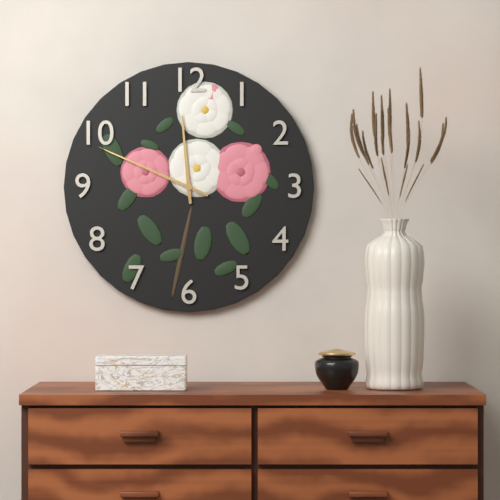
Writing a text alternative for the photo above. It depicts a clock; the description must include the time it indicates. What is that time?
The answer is 11:49
